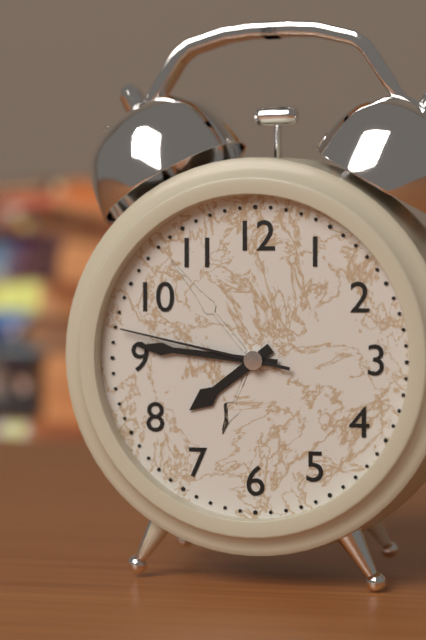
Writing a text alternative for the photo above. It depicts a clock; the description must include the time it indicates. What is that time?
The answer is 7:46:47
